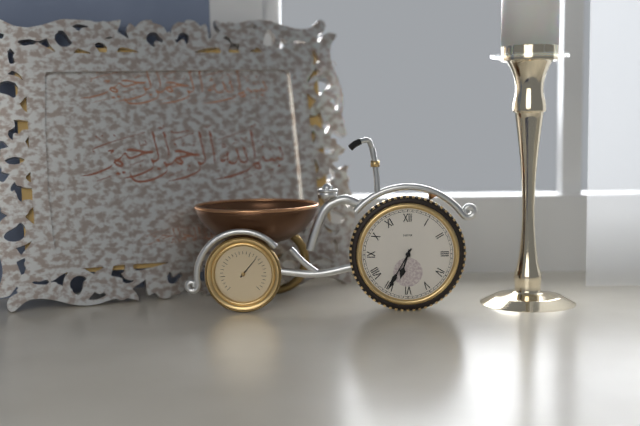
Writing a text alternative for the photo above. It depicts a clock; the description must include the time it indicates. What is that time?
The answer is 6:35
